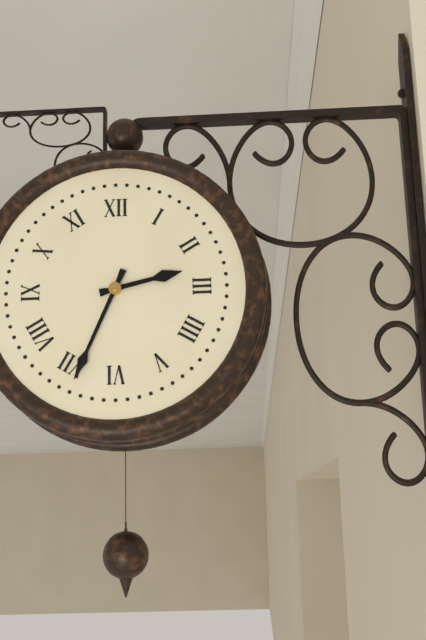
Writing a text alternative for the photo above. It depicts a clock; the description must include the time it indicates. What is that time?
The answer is 2:34
